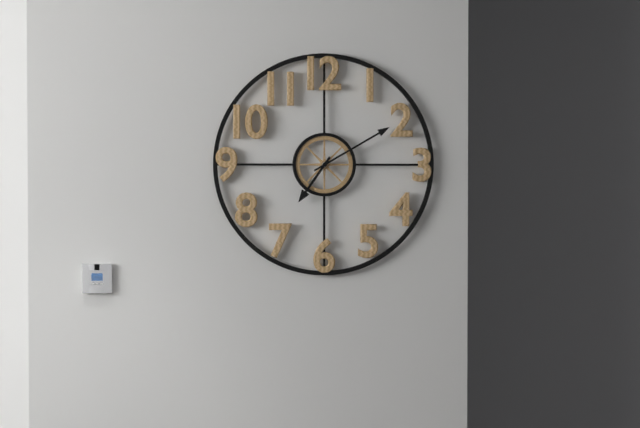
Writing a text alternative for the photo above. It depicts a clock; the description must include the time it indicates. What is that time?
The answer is 7:10
